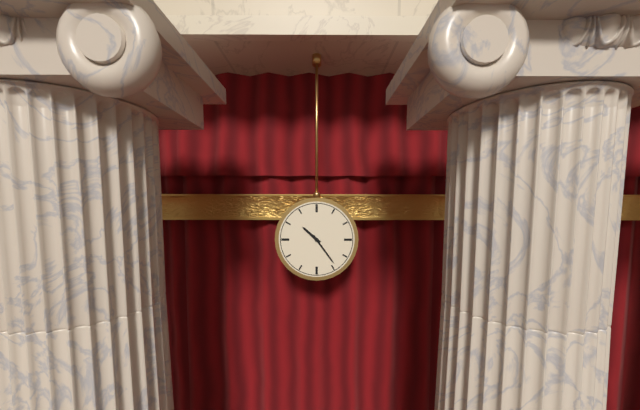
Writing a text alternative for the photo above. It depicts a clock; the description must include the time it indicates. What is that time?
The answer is 10:24
